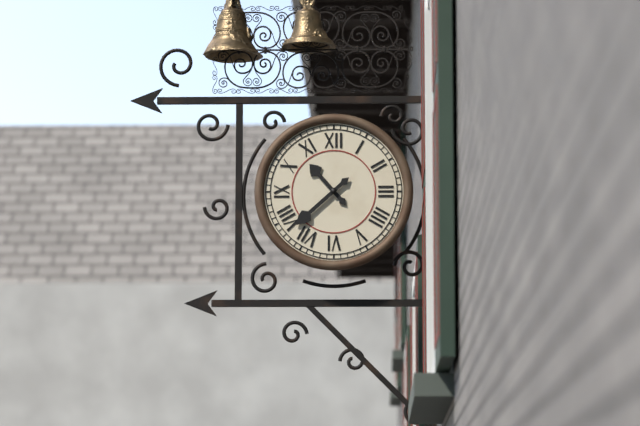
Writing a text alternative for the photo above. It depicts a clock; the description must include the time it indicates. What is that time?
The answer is 10:38
